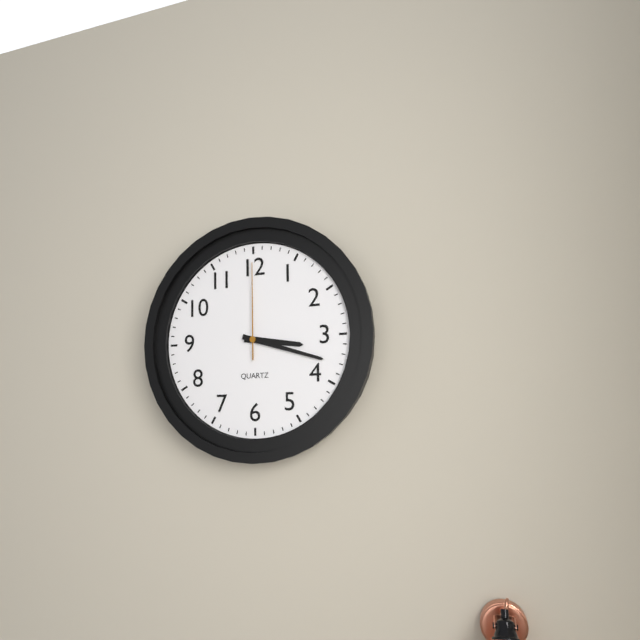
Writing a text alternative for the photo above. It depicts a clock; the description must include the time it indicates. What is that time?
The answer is 3:18:00
